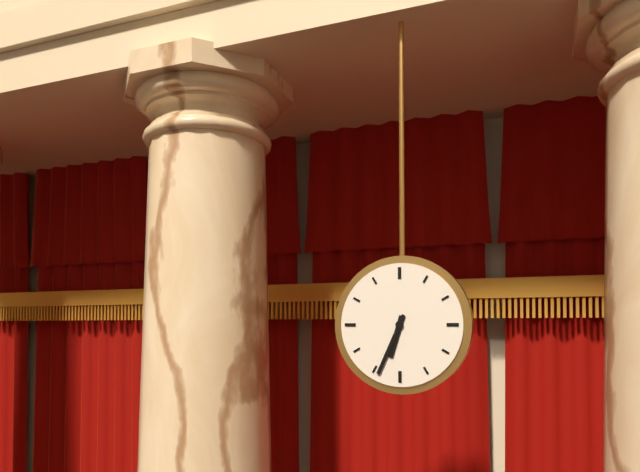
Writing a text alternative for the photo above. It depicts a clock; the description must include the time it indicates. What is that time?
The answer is 6:34
